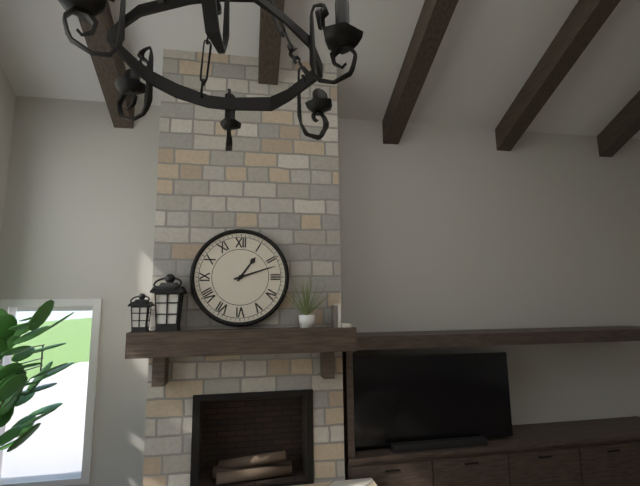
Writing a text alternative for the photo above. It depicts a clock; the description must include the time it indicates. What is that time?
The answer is 1:12
